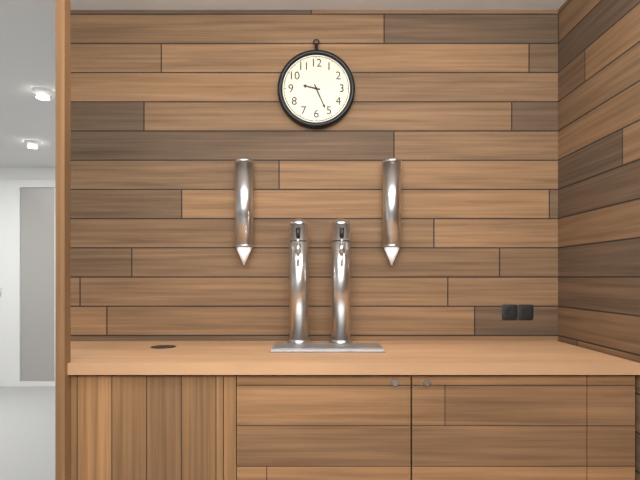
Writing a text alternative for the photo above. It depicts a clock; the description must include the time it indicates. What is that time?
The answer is 9:26
